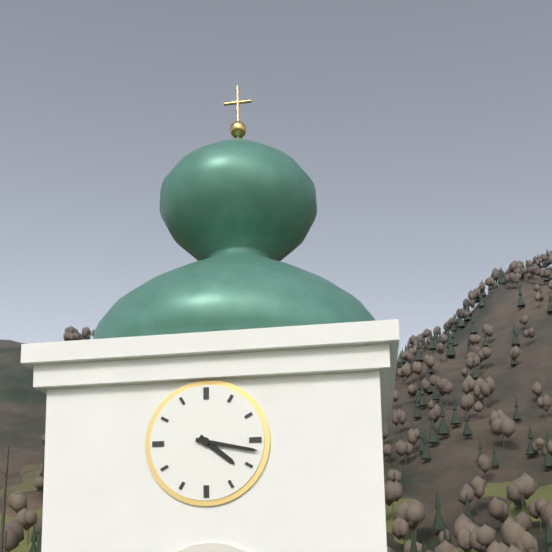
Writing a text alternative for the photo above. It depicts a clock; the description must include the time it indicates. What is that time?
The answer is 4:17
